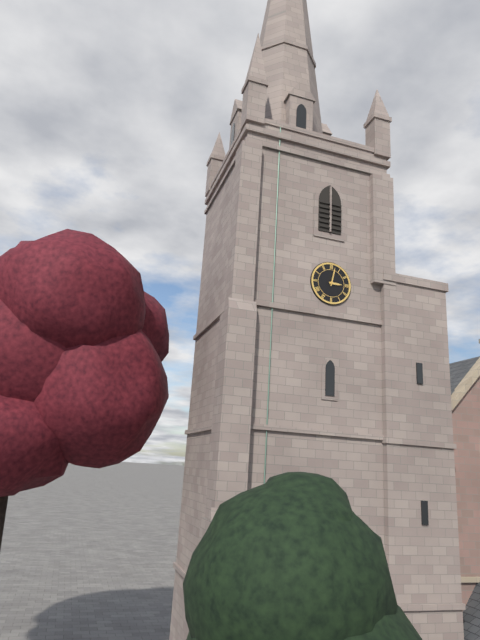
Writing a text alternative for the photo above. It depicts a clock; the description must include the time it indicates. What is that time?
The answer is 3:02
